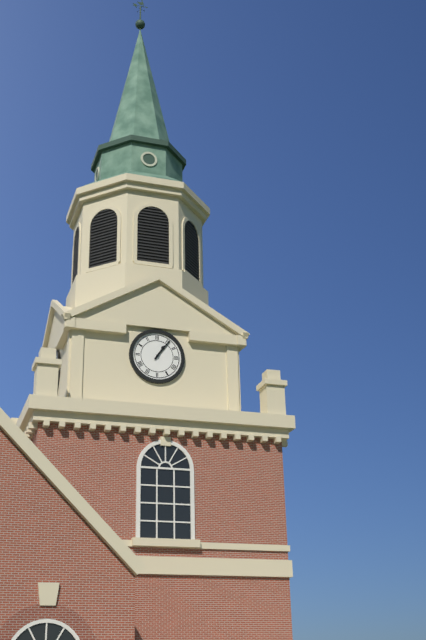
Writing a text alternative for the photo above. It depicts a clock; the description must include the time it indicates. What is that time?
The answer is 1:06
